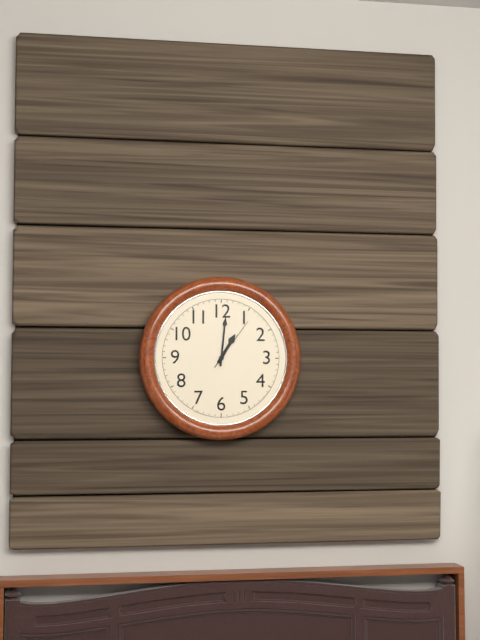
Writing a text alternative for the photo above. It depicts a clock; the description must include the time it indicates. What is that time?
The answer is 1:01:06
